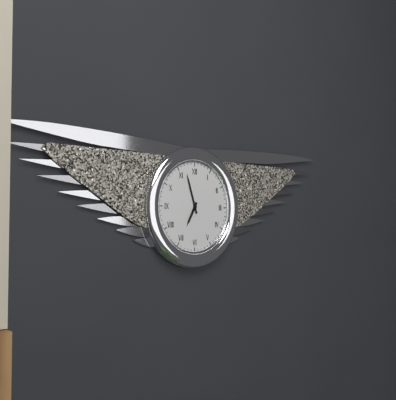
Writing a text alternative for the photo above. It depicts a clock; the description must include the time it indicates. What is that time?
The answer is 6:57
